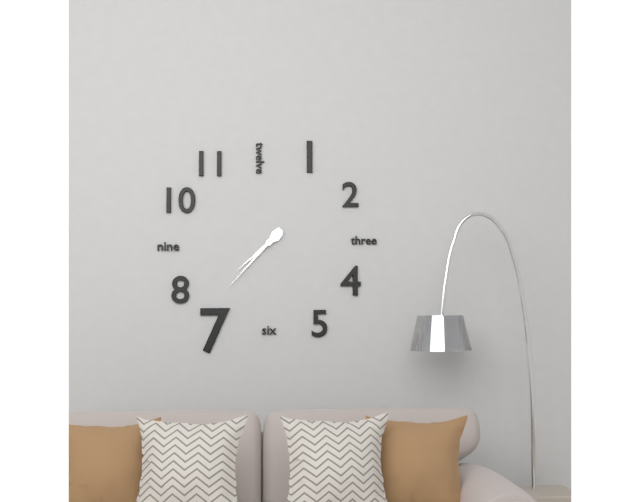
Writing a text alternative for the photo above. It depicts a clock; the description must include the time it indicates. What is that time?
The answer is 7:37
